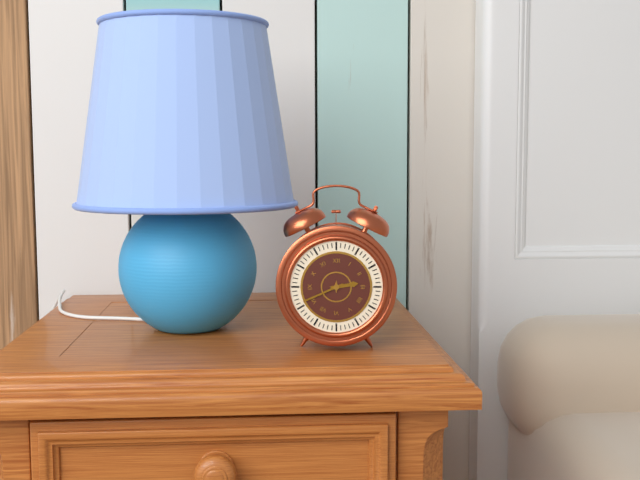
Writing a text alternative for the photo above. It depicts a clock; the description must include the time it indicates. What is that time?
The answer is 2:41
